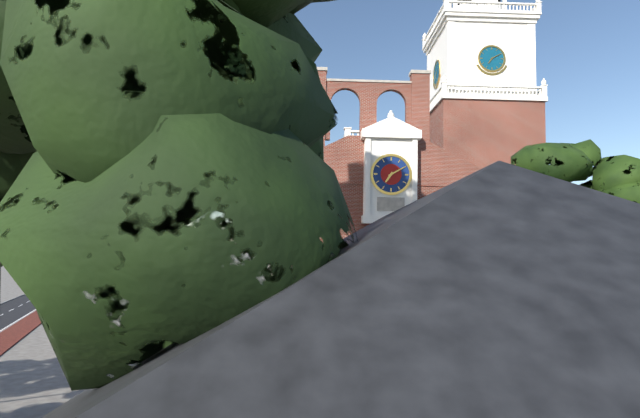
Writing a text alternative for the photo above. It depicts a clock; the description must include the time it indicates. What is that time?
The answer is 7:10
